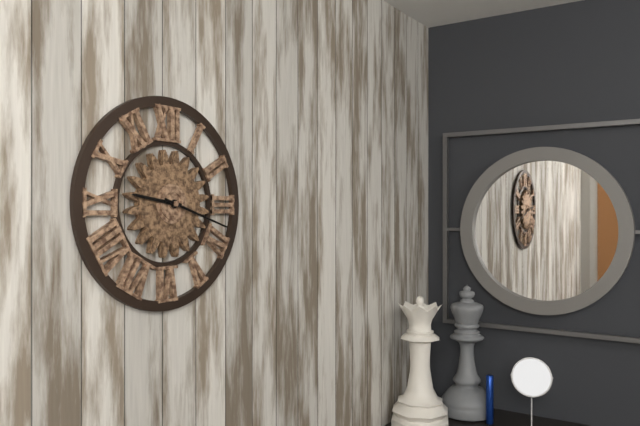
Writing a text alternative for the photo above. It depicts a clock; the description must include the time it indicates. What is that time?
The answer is 9:18
